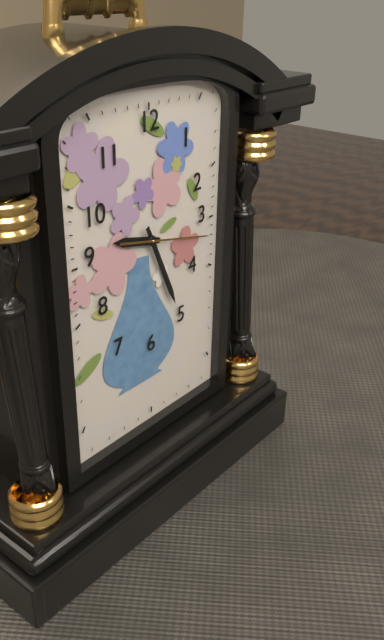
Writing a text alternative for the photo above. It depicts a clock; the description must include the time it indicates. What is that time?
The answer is 9:26:17
